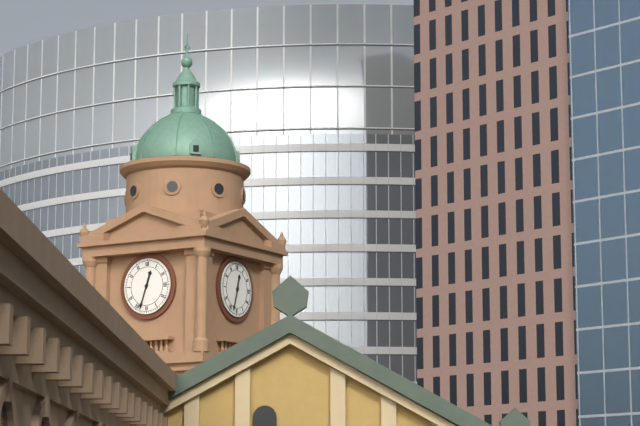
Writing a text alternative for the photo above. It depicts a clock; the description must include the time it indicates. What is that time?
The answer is 12:33
